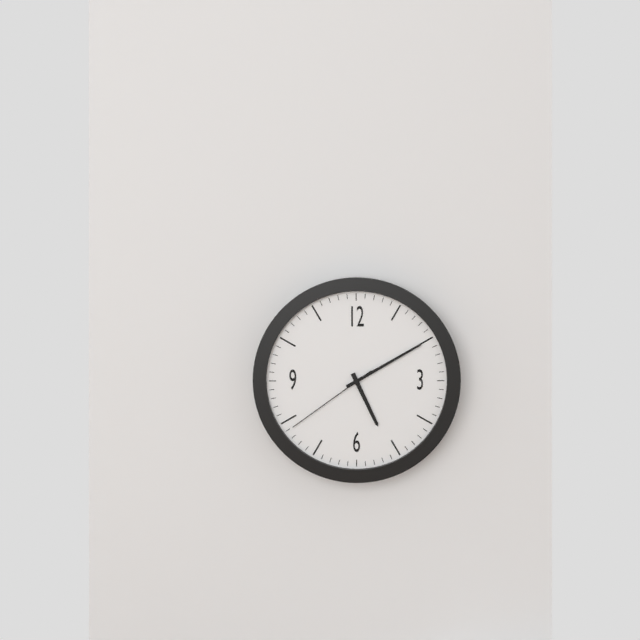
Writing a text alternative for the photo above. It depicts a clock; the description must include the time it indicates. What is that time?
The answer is 5:10:39
